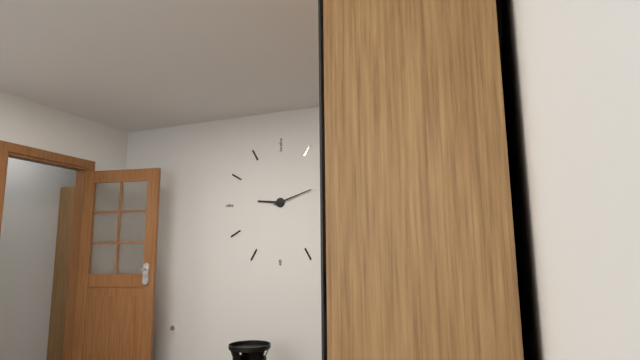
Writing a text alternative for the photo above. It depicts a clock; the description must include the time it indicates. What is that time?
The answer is 9:12
